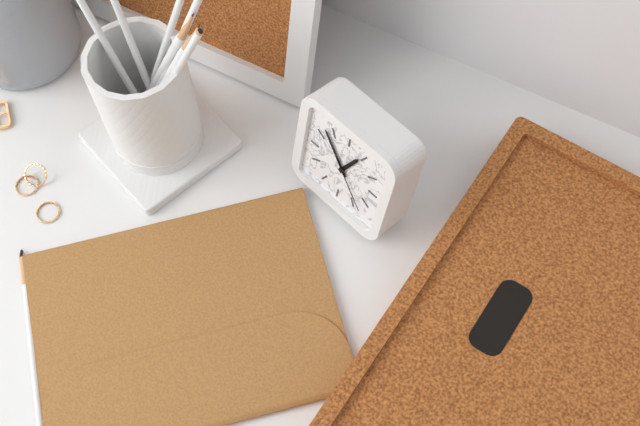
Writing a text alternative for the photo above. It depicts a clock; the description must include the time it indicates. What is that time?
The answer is 12:53:23
